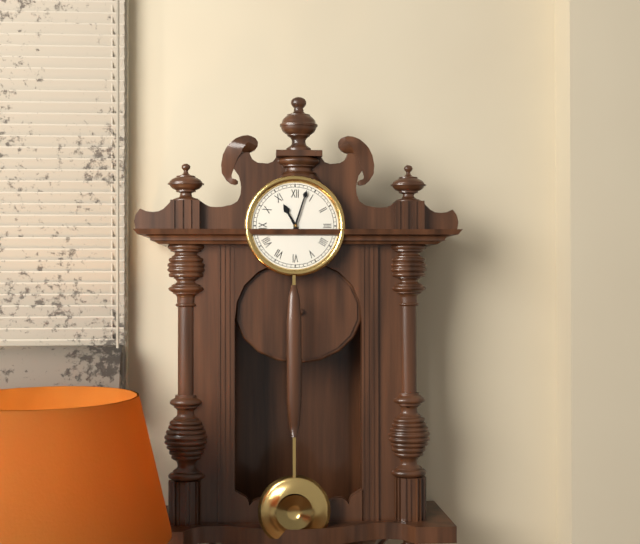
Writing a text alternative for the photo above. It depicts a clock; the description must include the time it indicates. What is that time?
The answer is 11:03
